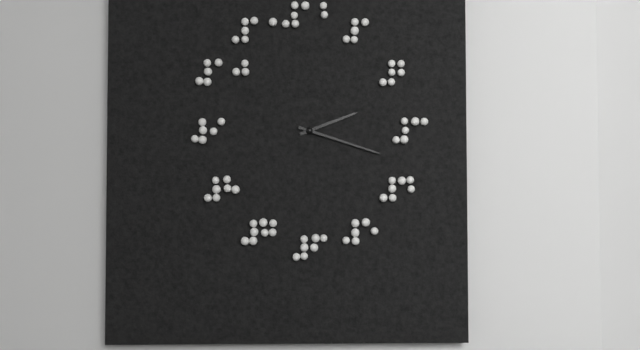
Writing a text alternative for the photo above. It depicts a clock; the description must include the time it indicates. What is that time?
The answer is 2:18
